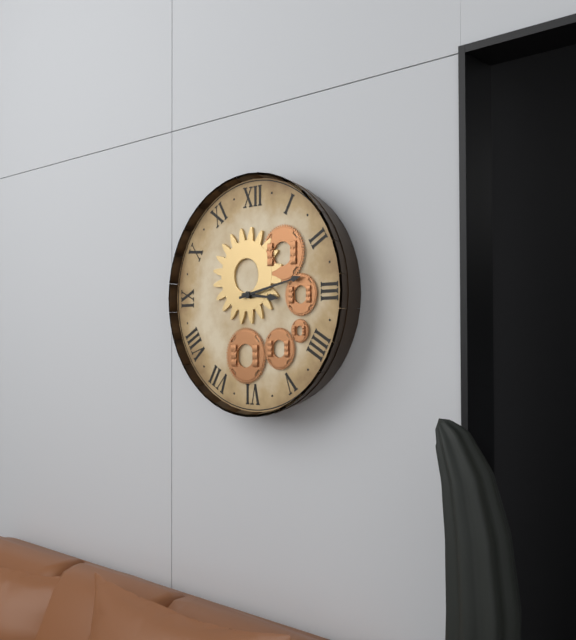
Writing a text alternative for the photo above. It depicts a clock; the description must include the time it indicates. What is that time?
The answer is 3:13
